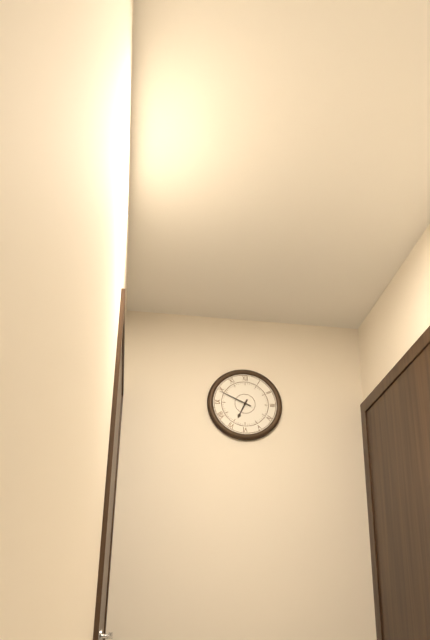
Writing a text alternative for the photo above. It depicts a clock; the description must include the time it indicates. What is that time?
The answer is 6:49
